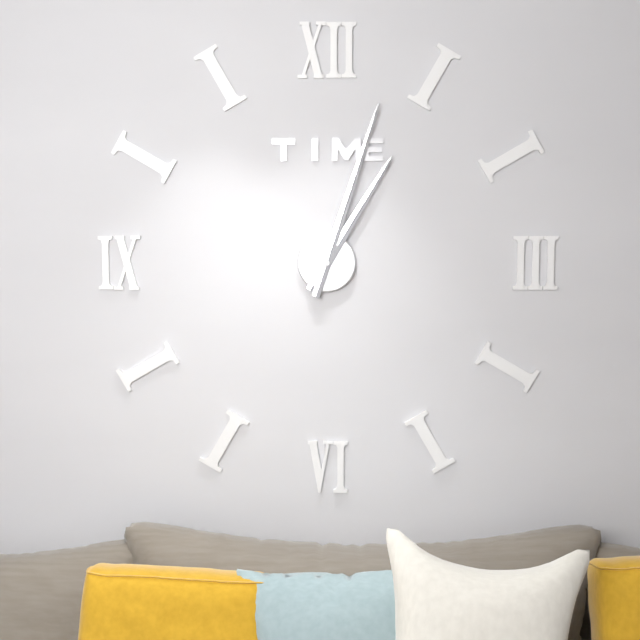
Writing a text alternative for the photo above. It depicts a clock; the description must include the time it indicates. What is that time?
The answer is 1:03
